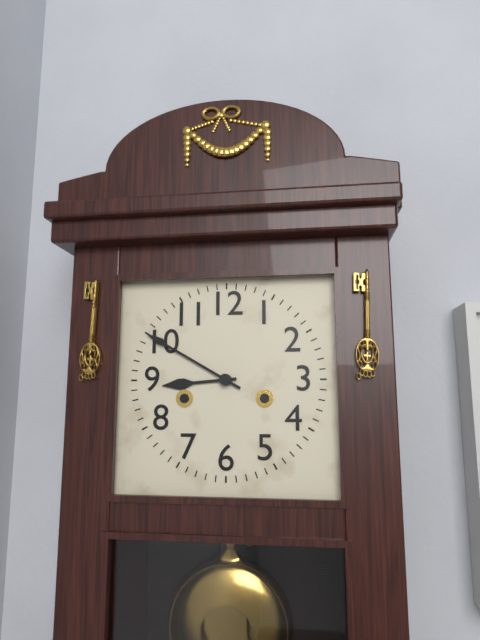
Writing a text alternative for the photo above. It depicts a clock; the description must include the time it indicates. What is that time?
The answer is 8:50
